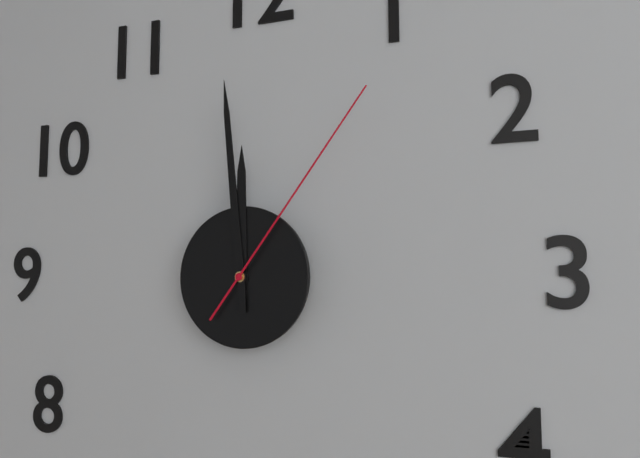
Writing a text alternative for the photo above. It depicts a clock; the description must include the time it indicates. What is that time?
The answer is 11:59:06
